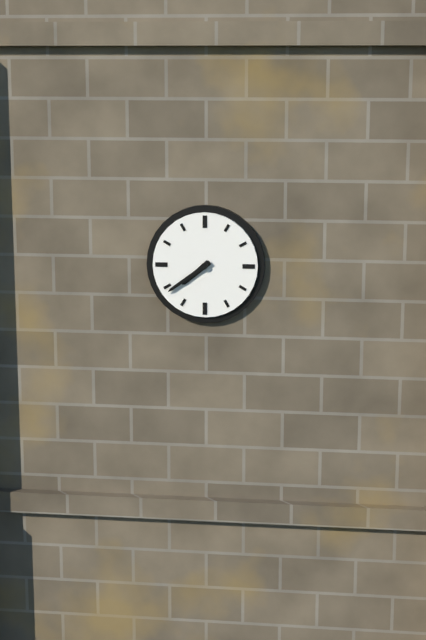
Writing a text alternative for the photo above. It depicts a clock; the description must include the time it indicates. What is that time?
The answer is 7:39
